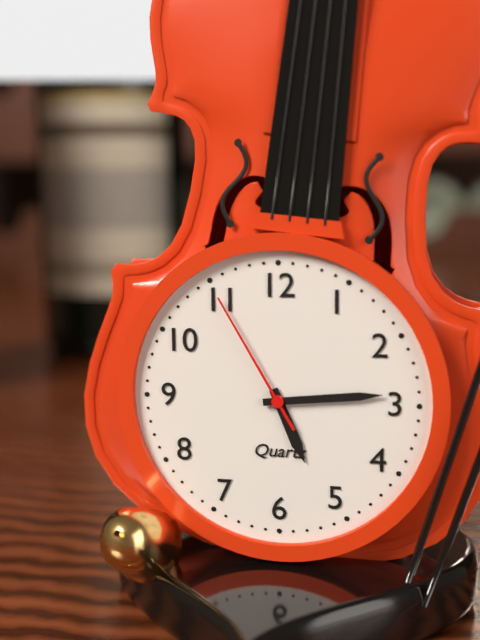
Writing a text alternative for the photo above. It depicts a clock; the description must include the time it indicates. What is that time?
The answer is 5:14:55
